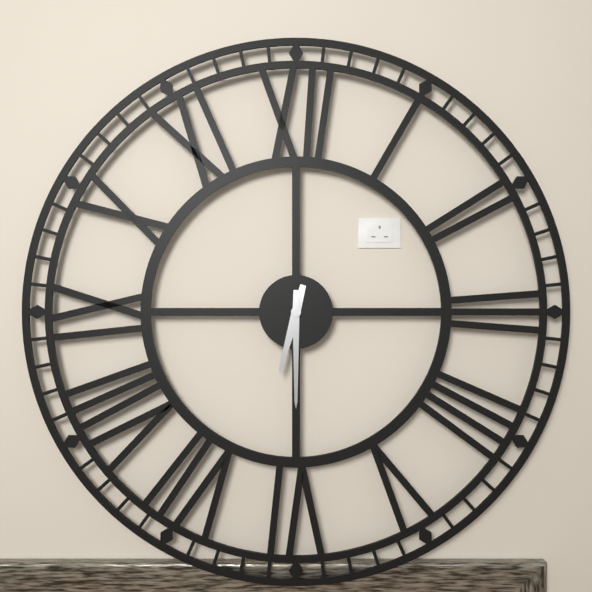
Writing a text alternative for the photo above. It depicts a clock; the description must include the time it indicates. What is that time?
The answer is 6:30
